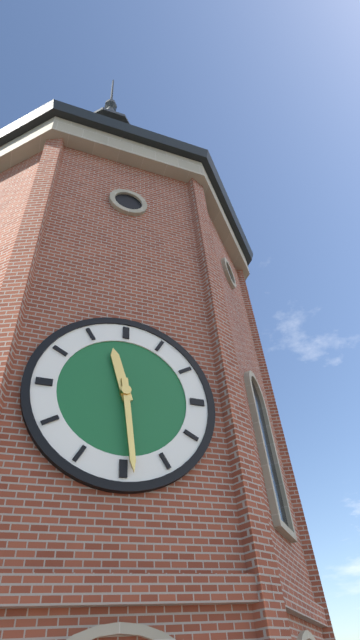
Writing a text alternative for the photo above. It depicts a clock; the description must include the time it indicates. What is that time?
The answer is 11:29
